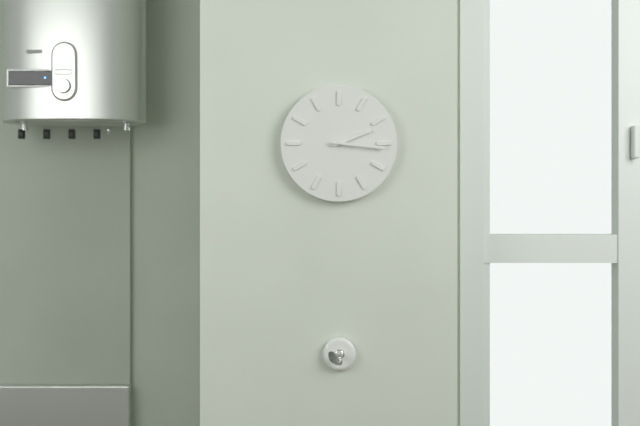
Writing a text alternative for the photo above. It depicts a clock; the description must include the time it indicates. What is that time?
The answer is 2:16
